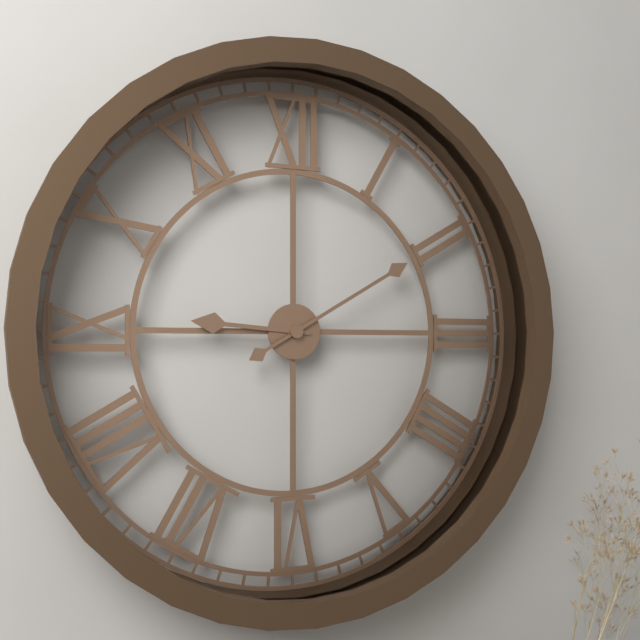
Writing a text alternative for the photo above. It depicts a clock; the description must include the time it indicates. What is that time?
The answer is 9:10
